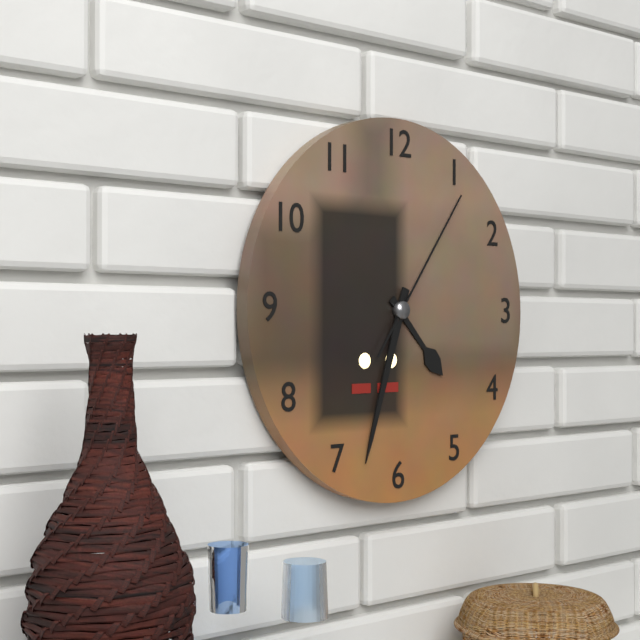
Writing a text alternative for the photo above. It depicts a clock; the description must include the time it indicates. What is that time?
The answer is 4:33:06
